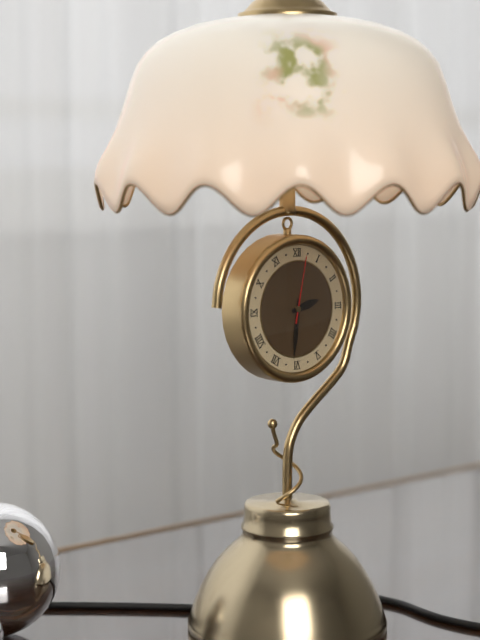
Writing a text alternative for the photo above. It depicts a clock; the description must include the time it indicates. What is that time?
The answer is 2:31:02
